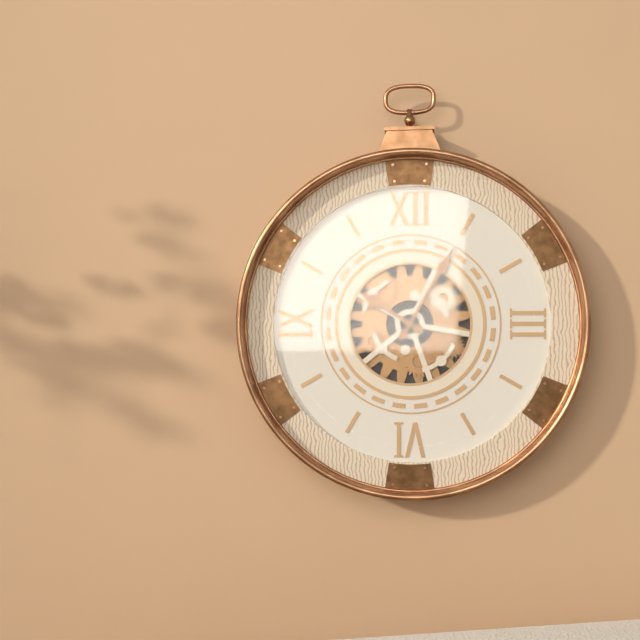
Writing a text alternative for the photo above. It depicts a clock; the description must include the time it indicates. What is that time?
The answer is 10:05
